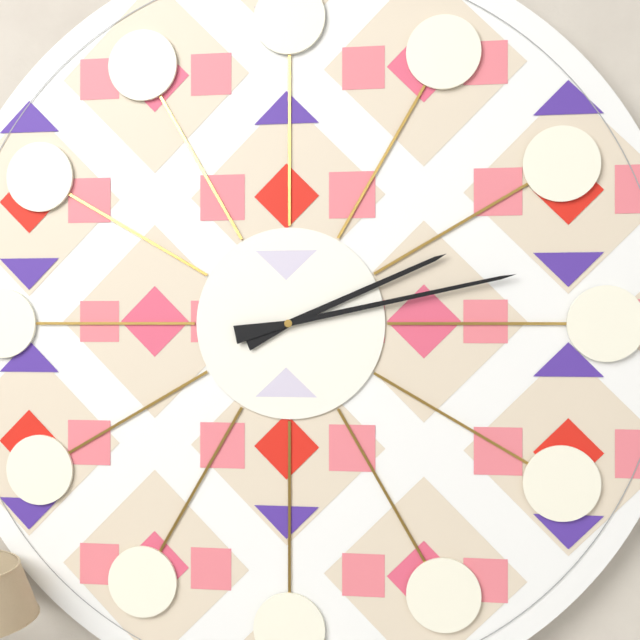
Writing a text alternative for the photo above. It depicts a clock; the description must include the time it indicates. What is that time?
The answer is 2:13
